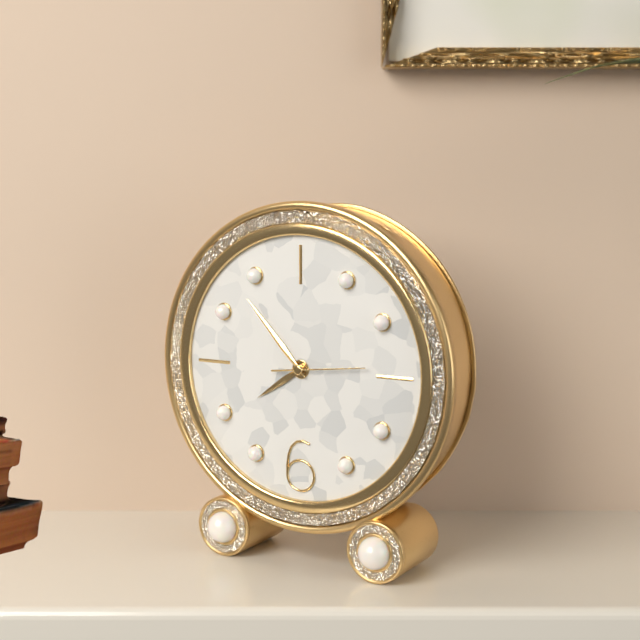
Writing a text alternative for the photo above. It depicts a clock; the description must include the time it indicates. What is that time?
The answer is 7:53:14
